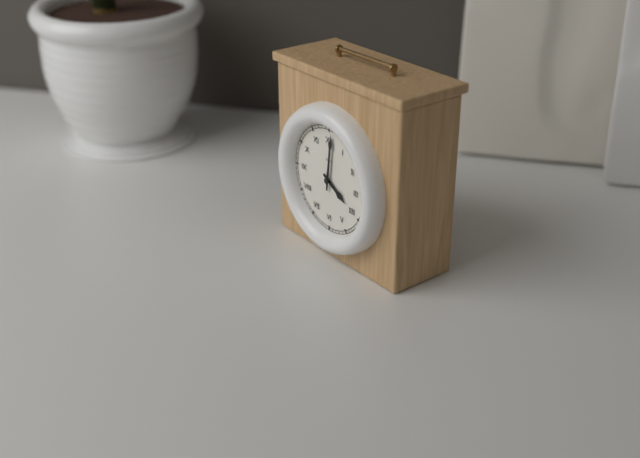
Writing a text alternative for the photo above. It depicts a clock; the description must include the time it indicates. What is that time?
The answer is 4:01
